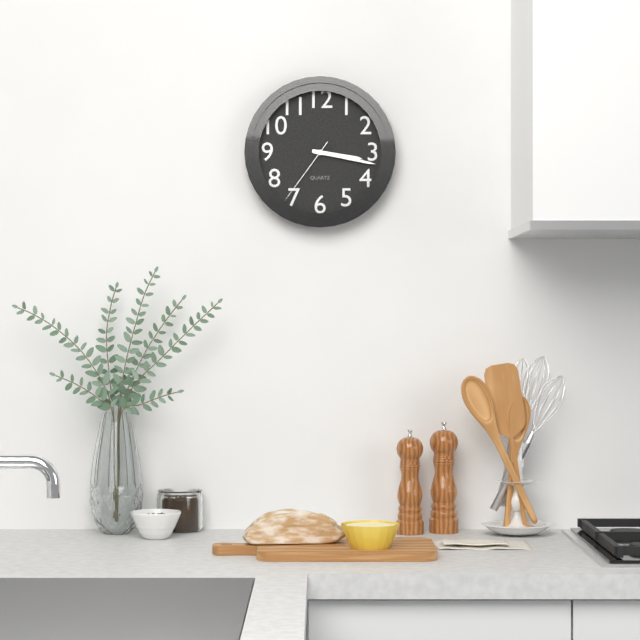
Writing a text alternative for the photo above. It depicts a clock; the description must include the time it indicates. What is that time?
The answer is 3:17:36
